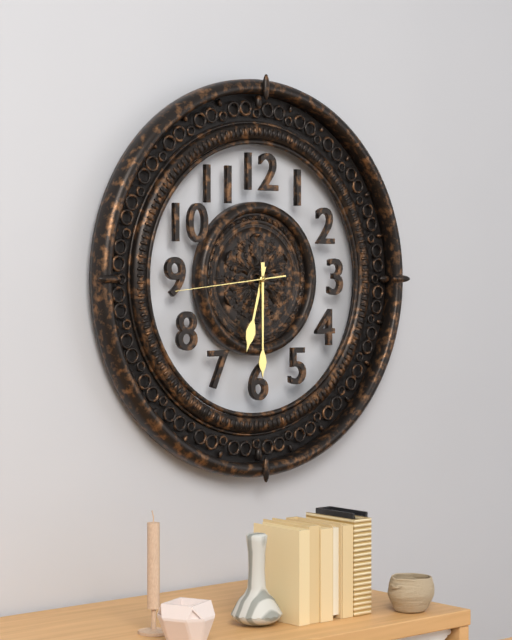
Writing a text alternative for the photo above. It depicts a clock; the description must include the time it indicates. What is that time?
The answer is 6:30:44
